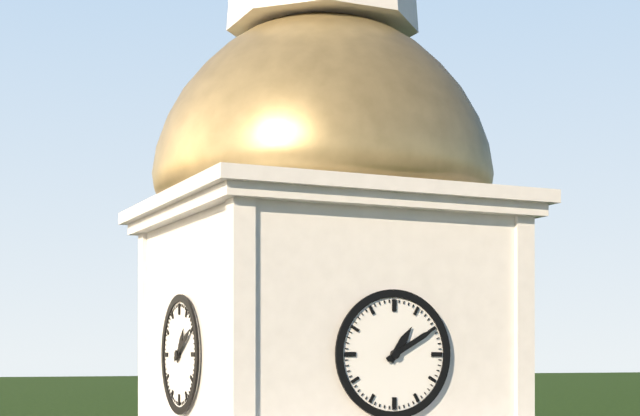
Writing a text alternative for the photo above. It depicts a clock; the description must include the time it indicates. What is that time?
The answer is 1:10
